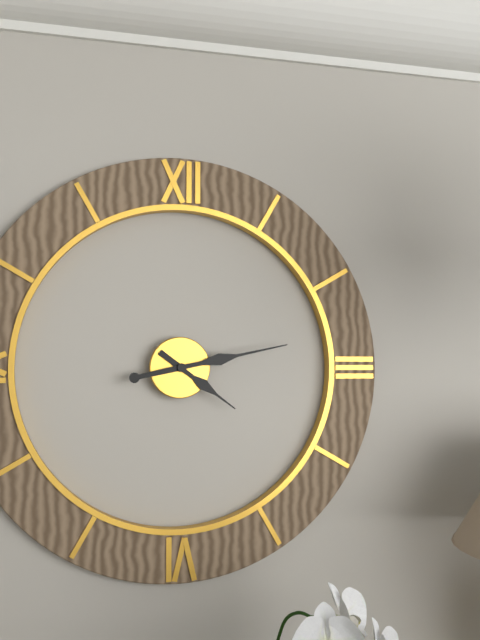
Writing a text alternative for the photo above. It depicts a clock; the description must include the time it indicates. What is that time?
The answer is 4:13
